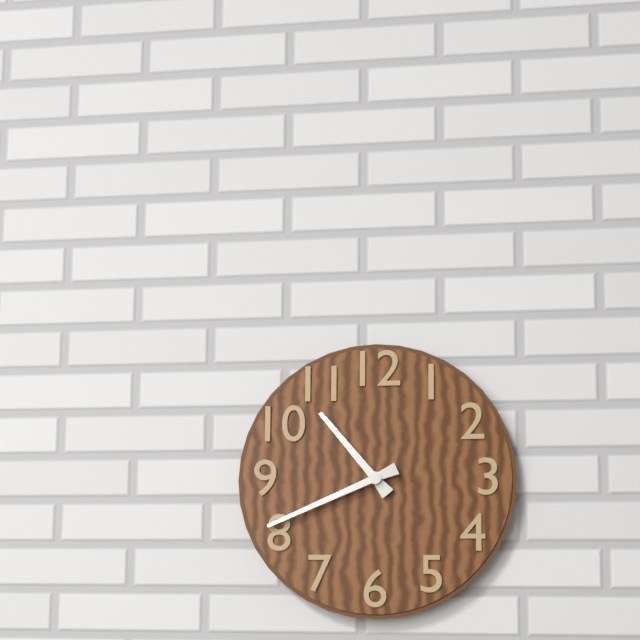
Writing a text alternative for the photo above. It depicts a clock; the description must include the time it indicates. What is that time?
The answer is 10:41
